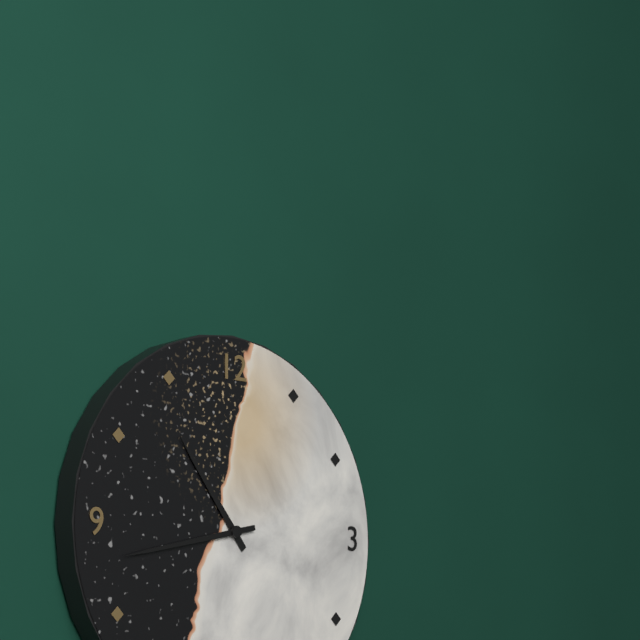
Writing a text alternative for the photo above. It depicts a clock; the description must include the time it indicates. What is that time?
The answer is 10:43
